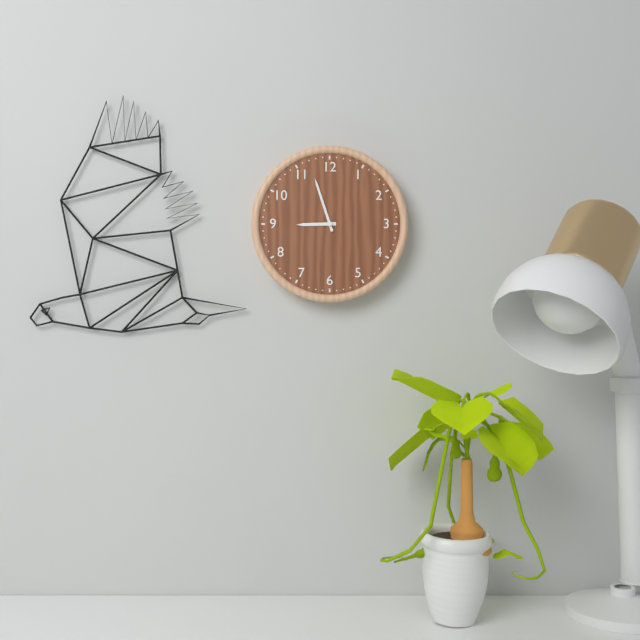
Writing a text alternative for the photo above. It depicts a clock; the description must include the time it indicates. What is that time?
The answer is 8:57
